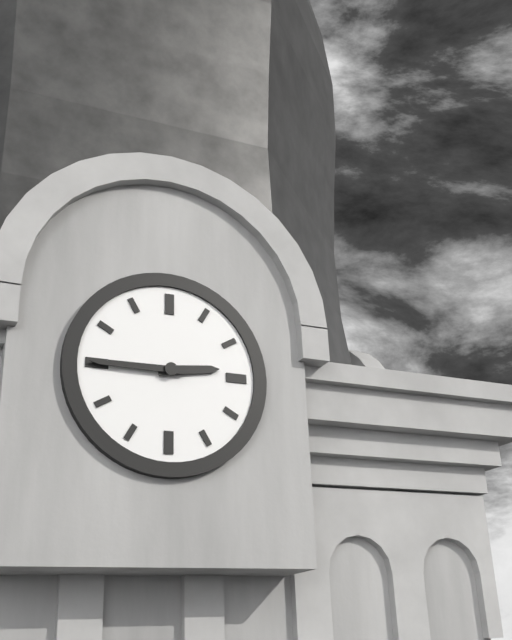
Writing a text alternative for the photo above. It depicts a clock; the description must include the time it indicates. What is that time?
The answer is 2:45
